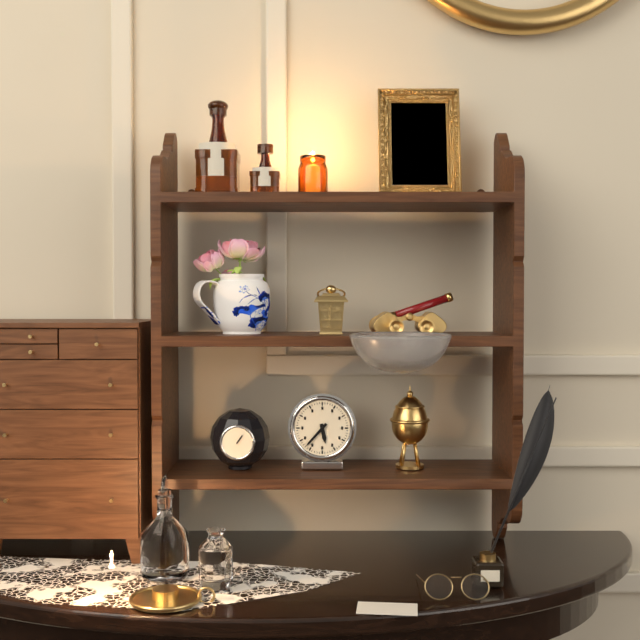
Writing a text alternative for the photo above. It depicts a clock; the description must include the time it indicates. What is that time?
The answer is 5:37
